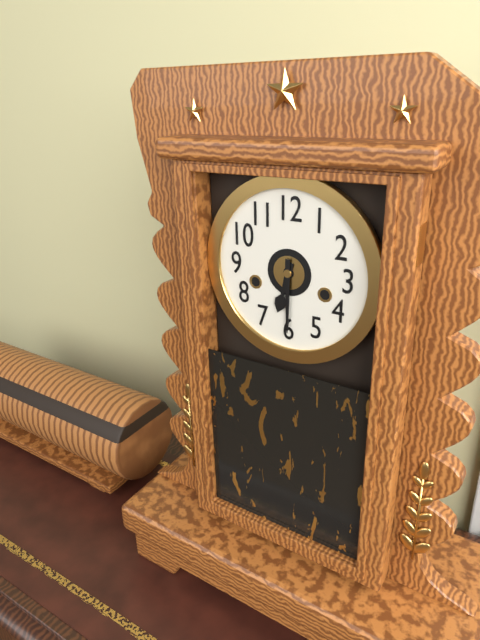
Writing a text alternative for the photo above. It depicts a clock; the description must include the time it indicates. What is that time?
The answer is 6:30
